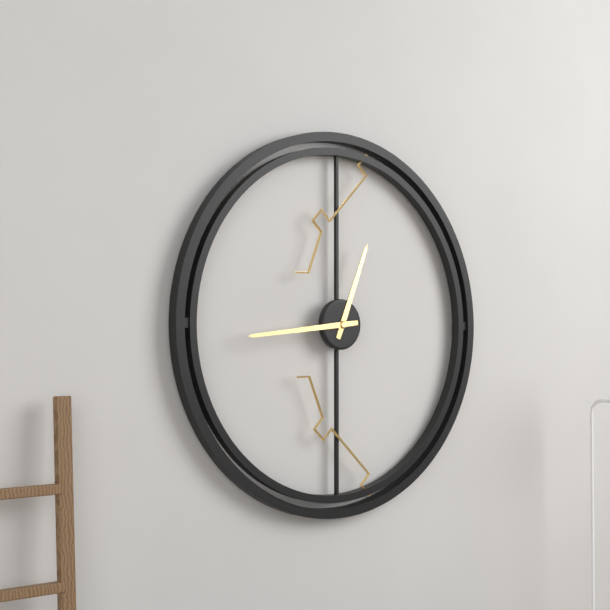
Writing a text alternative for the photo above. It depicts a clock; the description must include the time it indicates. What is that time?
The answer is 12:44
